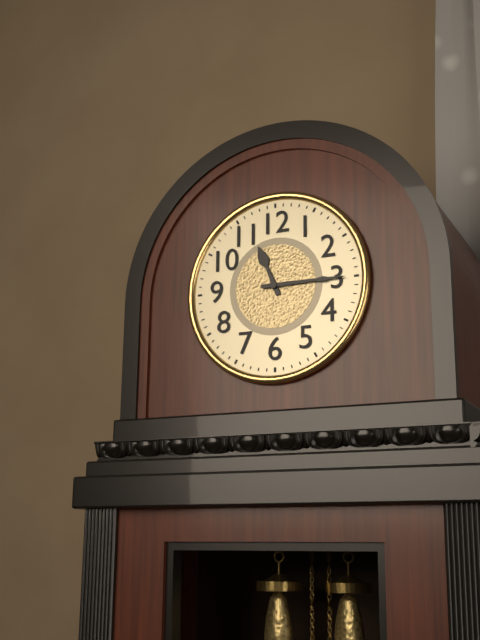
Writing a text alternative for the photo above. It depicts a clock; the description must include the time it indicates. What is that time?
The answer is 11:15
